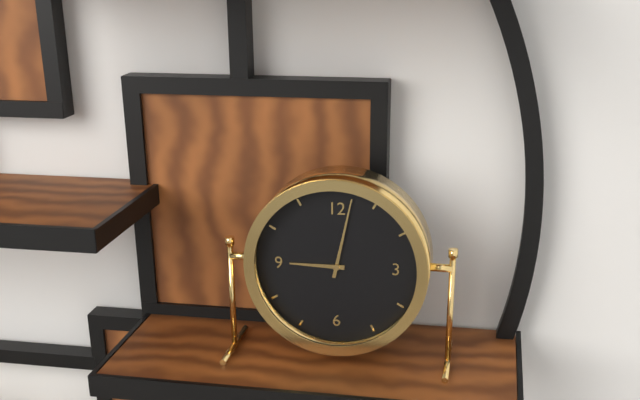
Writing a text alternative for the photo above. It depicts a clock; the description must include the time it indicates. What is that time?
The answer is 9:02
